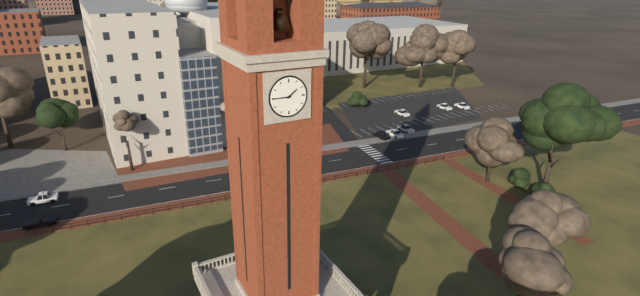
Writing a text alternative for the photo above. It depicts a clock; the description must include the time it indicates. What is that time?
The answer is 1:45
